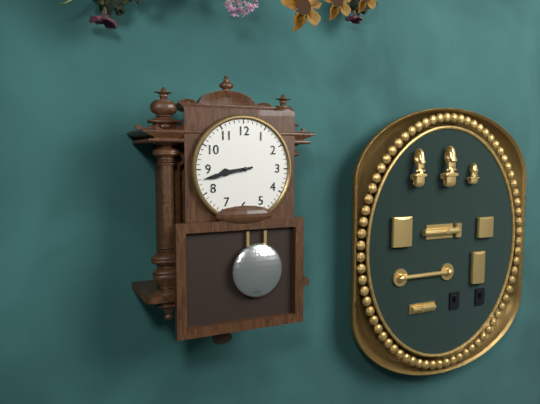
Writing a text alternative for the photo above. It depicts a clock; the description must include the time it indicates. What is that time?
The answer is 8:43
